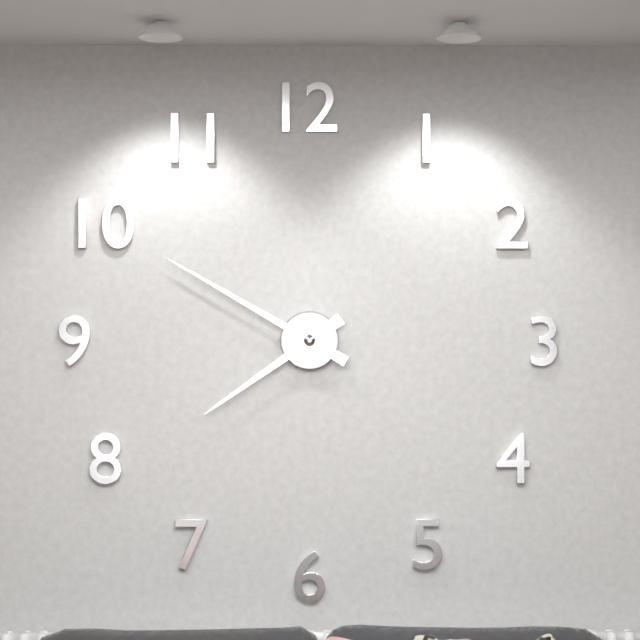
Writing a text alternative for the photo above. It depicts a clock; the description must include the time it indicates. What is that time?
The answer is 7:50
